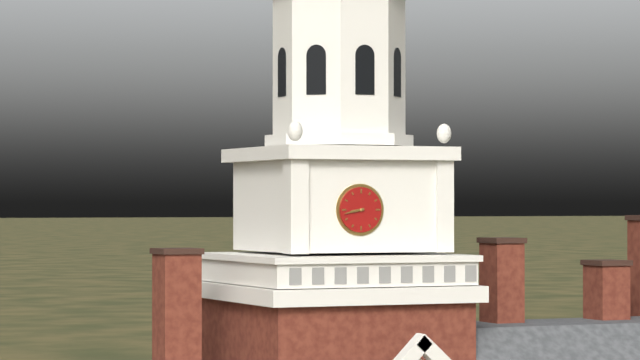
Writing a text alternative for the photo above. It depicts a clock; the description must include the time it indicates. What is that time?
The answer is 8:43
